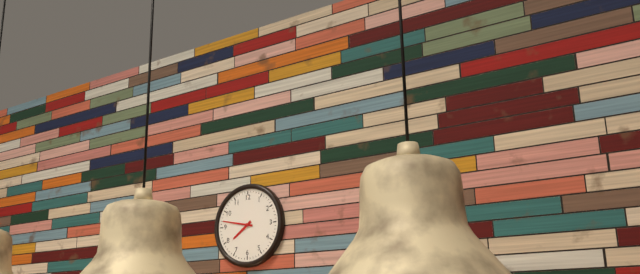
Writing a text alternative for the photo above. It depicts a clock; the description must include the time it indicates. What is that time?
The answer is 7:47
